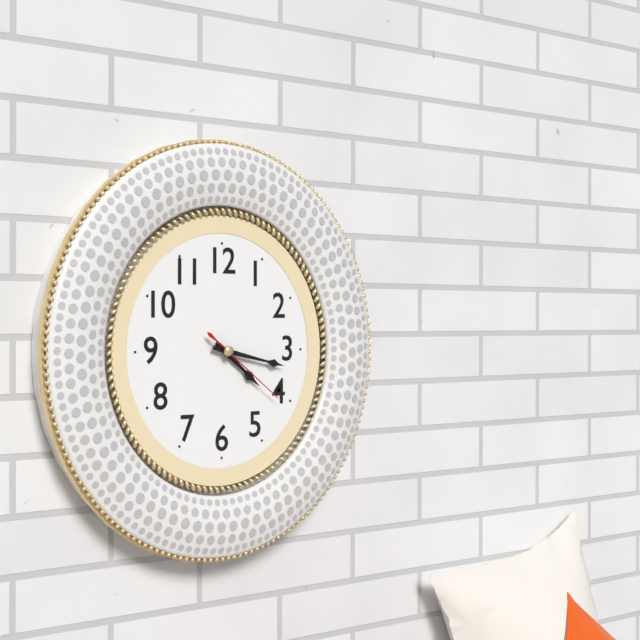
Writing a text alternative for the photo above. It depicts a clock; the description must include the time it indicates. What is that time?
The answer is 4:17:21
